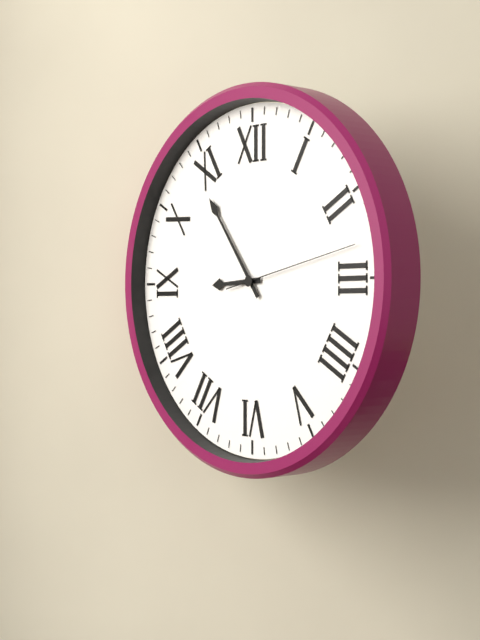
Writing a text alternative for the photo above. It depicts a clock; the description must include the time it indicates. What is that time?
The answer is 8:54:13
